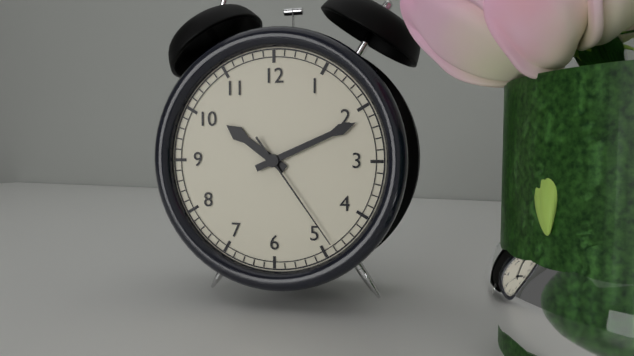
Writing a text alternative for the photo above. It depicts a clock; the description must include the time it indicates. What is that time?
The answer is 10:11:24
